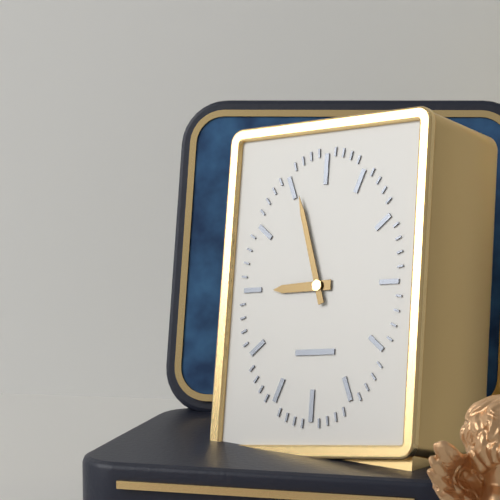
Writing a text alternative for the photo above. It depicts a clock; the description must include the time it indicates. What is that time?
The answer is 8:57
